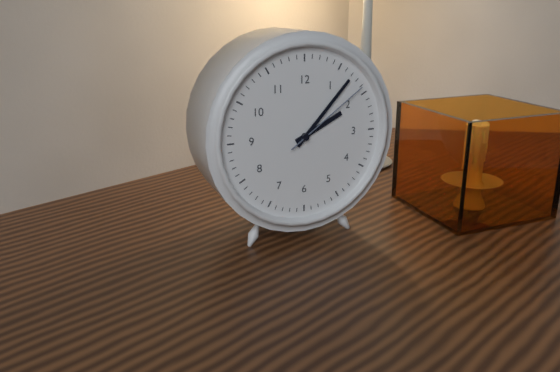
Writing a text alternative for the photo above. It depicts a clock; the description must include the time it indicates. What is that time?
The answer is 2:07:09
